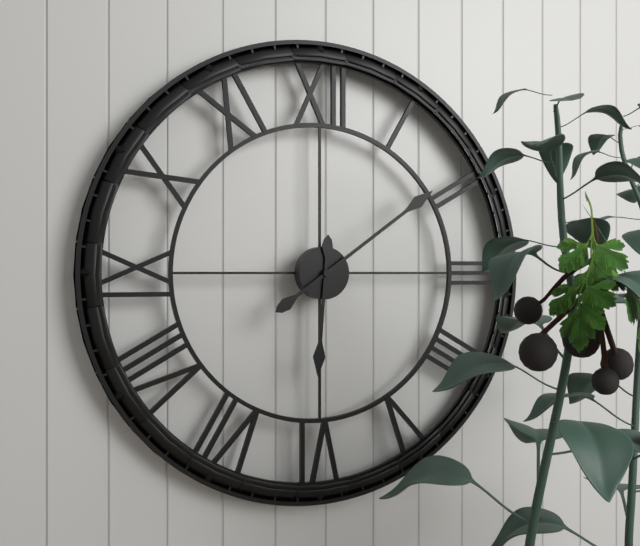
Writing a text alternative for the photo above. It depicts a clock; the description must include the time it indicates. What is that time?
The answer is 6:09
